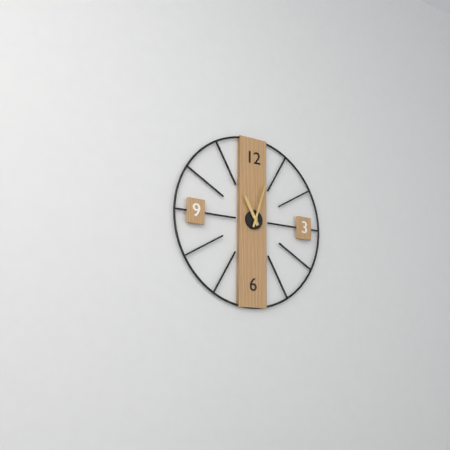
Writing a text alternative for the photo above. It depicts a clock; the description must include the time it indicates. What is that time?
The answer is 11:03
